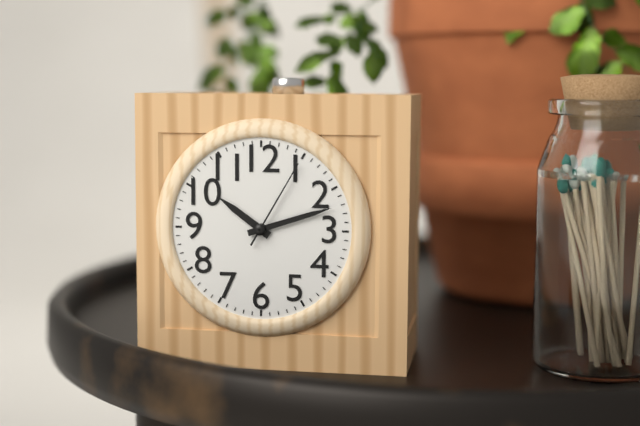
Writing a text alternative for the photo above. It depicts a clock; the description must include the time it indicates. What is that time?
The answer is 10:12:05
